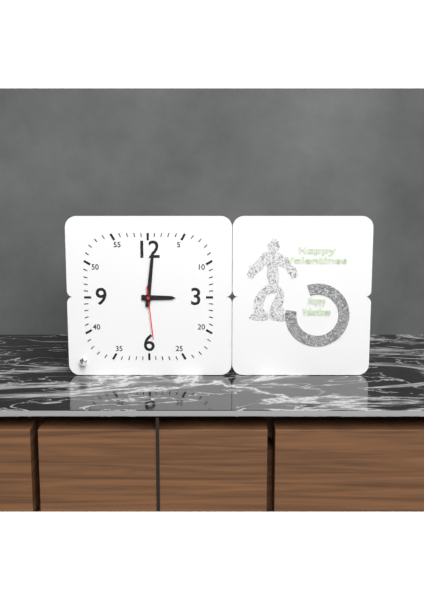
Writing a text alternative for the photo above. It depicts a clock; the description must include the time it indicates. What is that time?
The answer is 3:01:29
